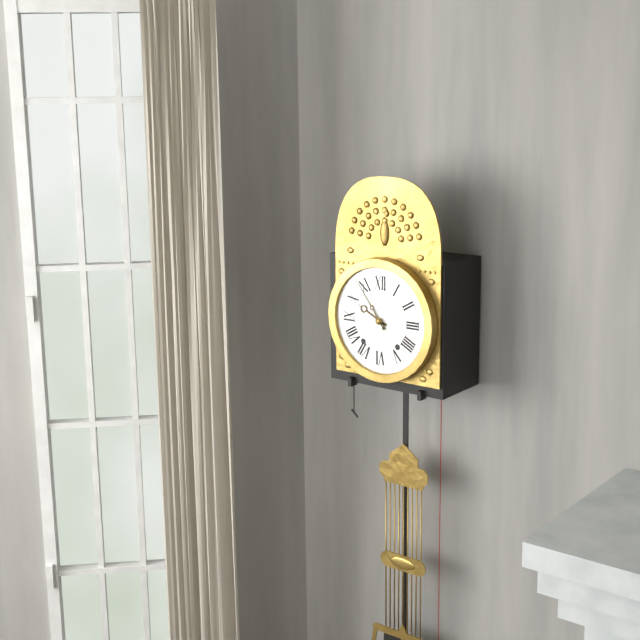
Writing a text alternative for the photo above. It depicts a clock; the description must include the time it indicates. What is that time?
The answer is 9:54
